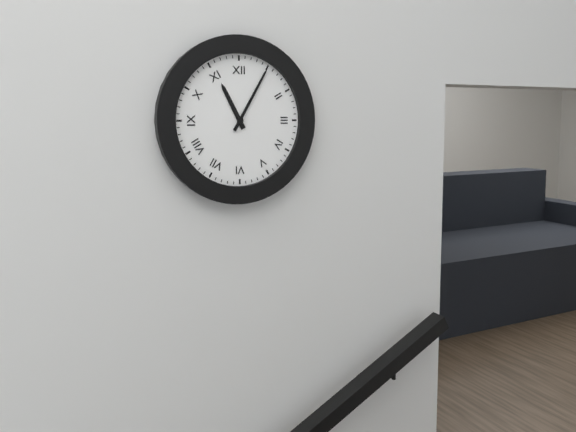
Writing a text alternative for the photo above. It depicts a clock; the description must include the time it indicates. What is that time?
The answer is 11:05
